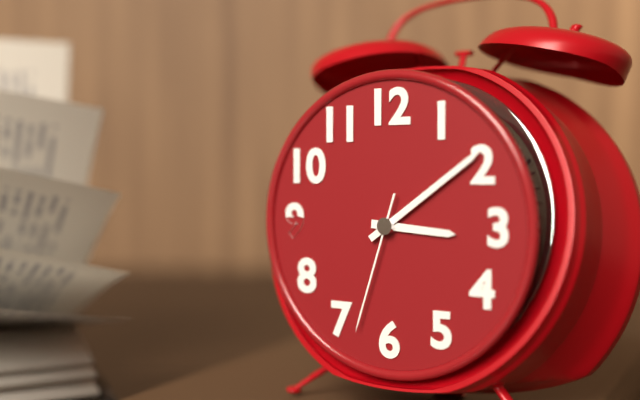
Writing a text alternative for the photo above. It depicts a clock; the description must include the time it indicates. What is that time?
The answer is 3:09:33
